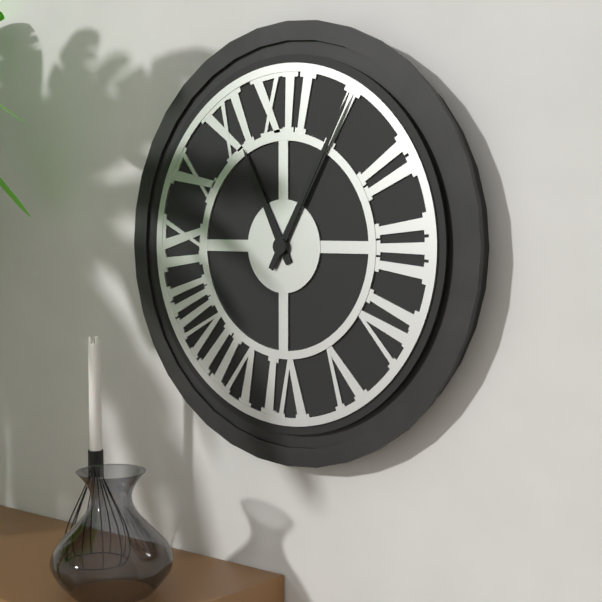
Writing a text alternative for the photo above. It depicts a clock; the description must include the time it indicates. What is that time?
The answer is 11:05
